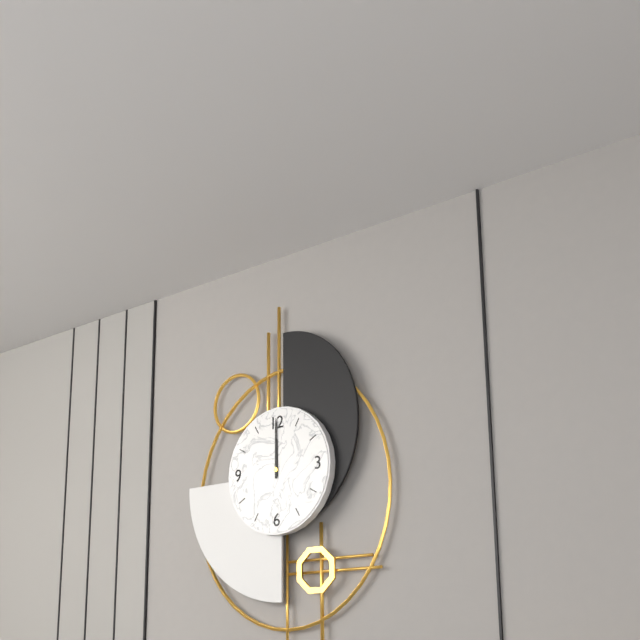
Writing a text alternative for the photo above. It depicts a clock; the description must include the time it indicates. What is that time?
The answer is 12:00
